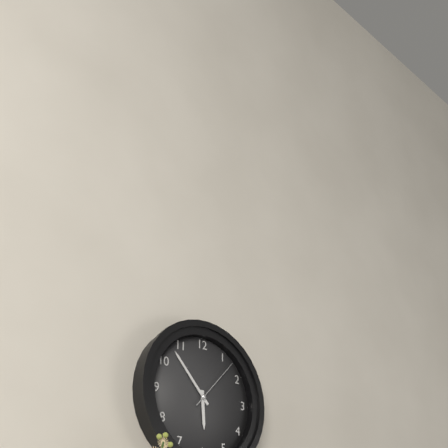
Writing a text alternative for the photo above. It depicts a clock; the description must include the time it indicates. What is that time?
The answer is 5:53:07
